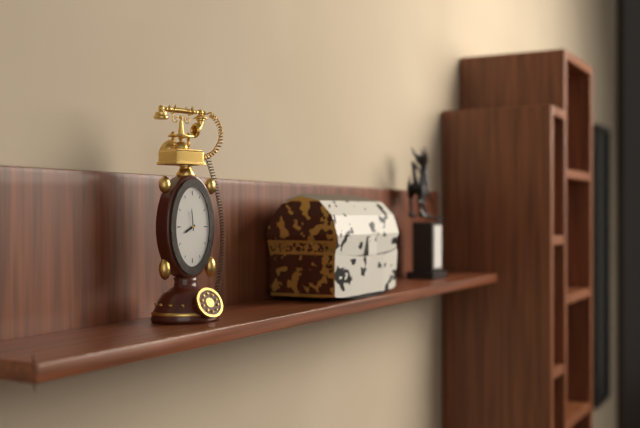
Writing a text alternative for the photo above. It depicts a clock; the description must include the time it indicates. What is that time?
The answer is 7:59
